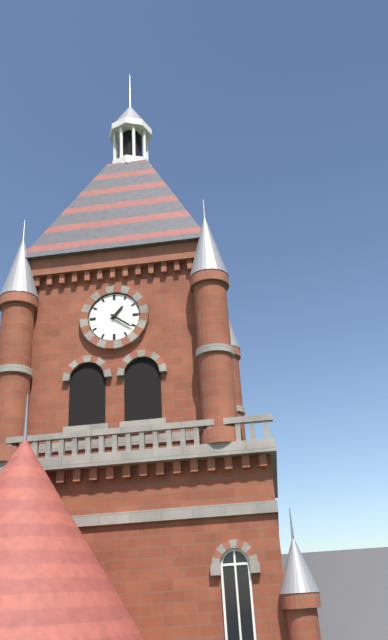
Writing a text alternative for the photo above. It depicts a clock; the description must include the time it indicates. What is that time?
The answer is 1:21
